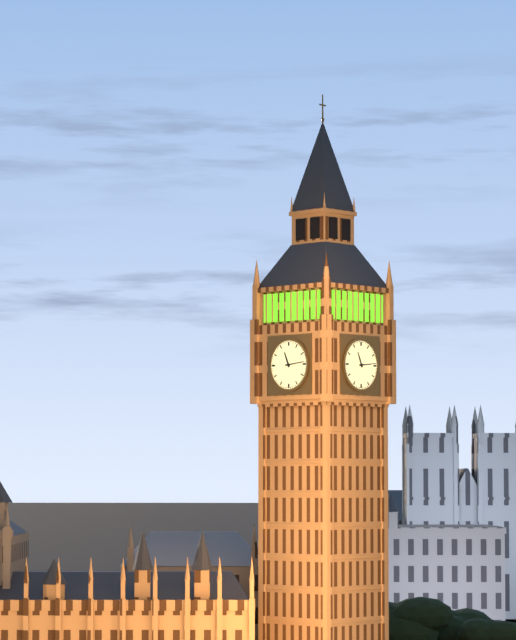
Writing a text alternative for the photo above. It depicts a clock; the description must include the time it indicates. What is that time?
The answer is 11:14
